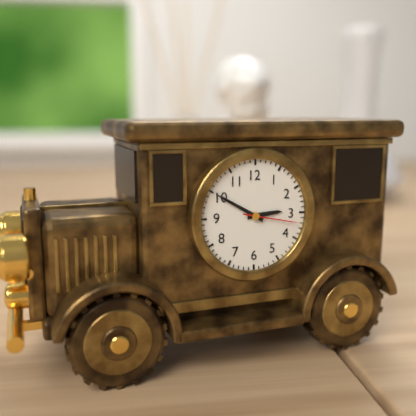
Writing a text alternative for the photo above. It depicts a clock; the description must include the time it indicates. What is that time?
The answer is 2:50:17
